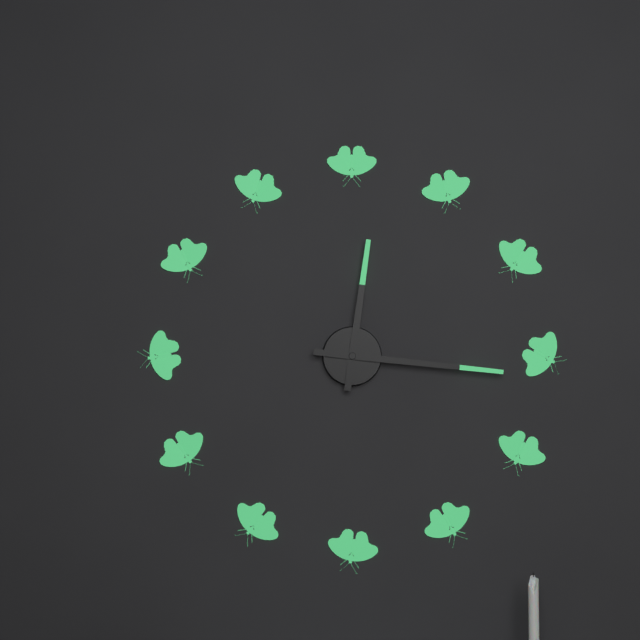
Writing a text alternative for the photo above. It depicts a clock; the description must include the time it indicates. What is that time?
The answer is 12:16
